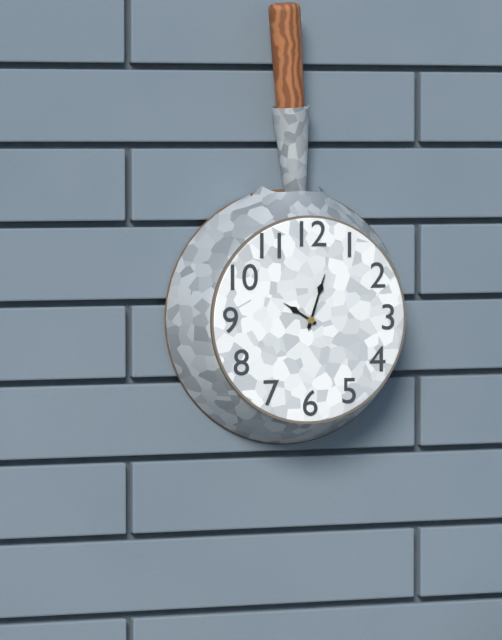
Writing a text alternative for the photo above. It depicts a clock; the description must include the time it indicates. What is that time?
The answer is 10:03
